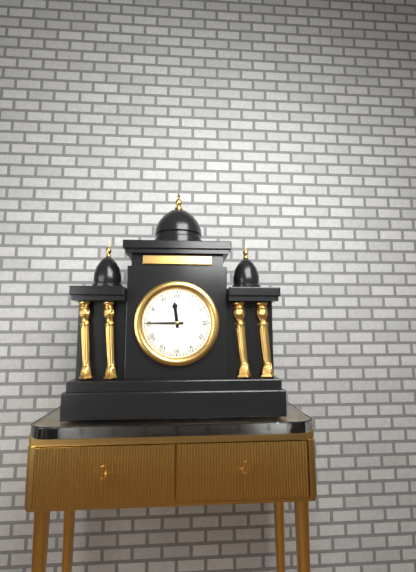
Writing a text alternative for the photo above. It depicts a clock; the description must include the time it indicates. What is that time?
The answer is 11:45
